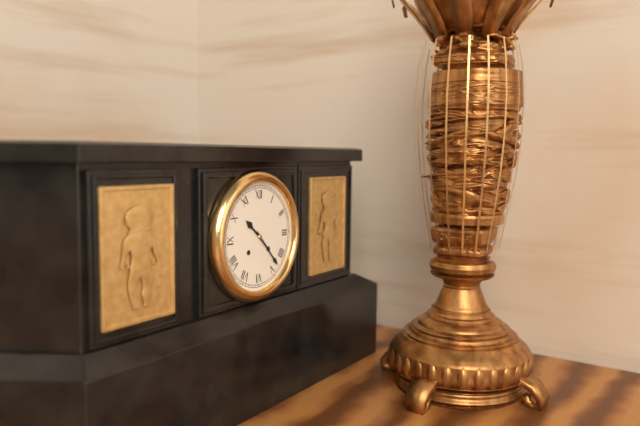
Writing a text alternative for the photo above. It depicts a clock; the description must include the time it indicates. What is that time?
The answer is 10:23
